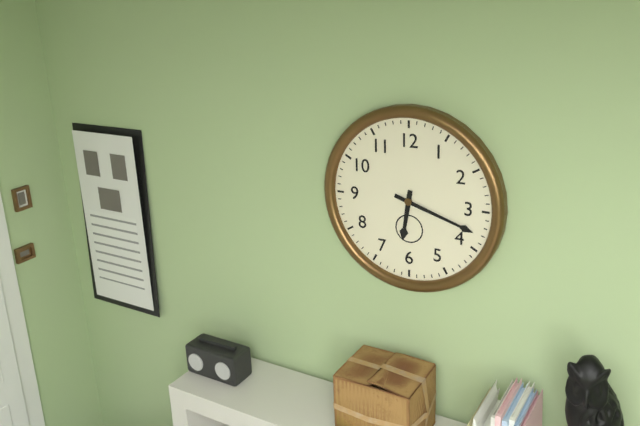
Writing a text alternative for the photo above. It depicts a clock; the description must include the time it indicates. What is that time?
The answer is 6:18
